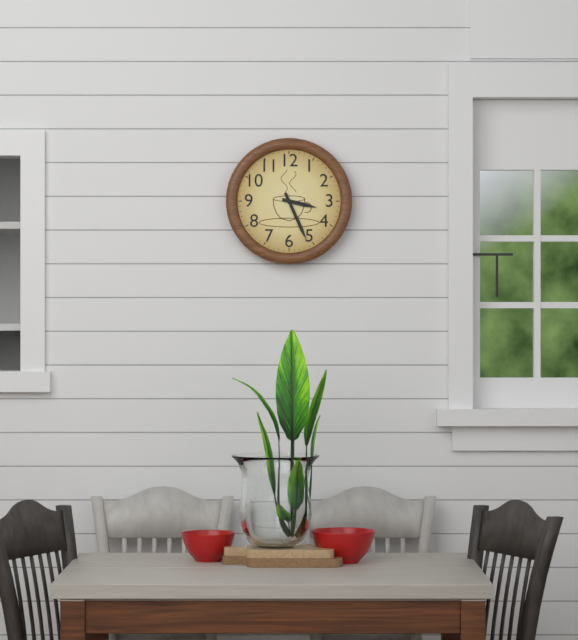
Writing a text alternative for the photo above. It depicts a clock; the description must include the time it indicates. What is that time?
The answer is 3:26
